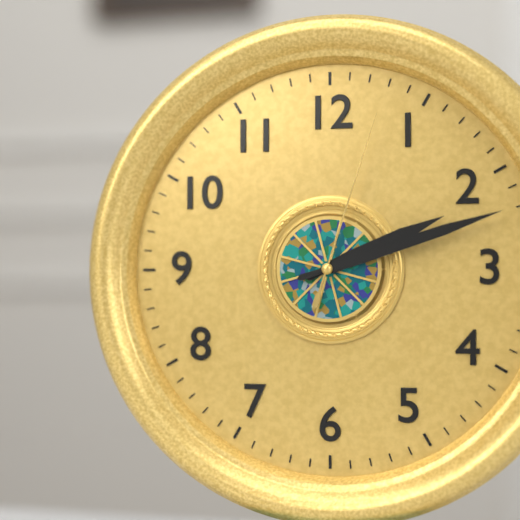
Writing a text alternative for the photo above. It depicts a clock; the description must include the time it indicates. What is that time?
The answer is 2:12:03
